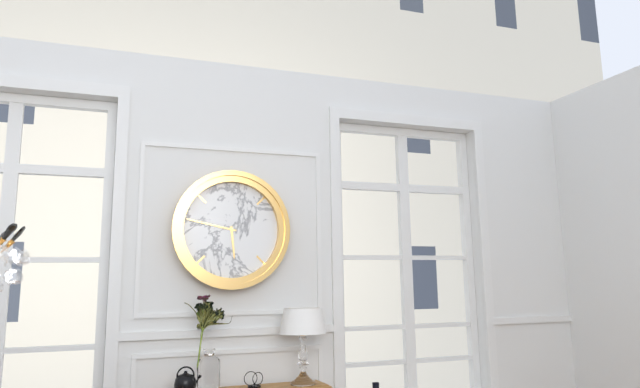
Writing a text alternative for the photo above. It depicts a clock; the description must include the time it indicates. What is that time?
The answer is 5:47
